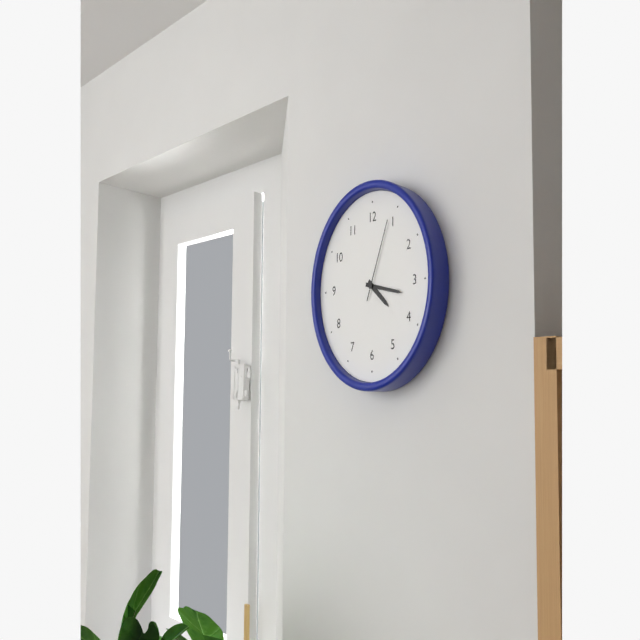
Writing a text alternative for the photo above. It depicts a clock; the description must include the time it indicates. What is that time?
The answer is 4:17:04
